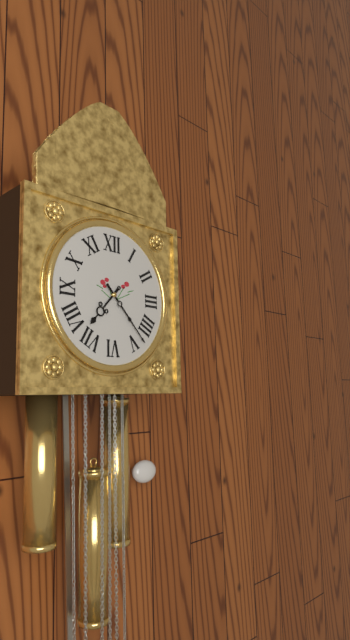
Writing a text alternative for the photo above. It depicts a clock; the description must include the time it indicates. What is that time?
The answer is 7:23
